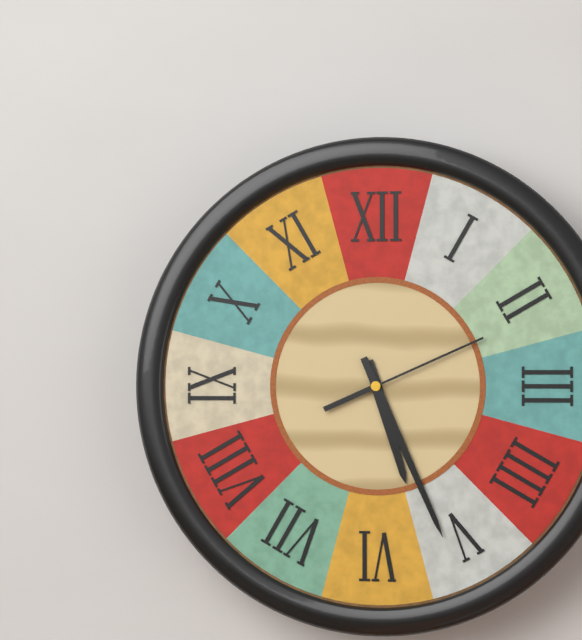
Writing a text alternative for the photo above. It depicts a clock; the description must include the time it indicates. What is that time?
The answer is 5:26:11
